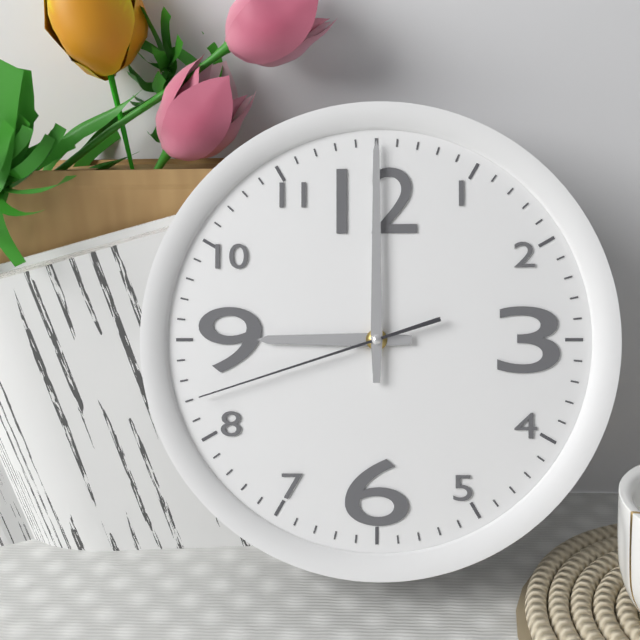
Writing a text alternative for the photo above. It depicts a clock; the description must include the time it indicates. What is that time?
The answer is 9:00:42
